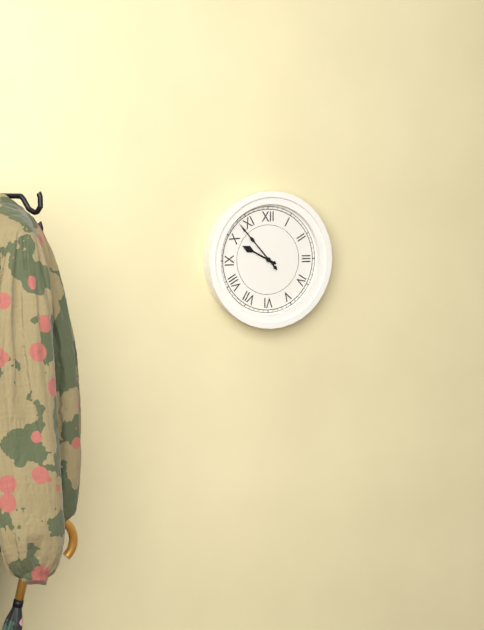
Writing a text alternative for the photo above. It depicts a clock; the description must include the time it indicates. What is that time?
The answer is 9:53
